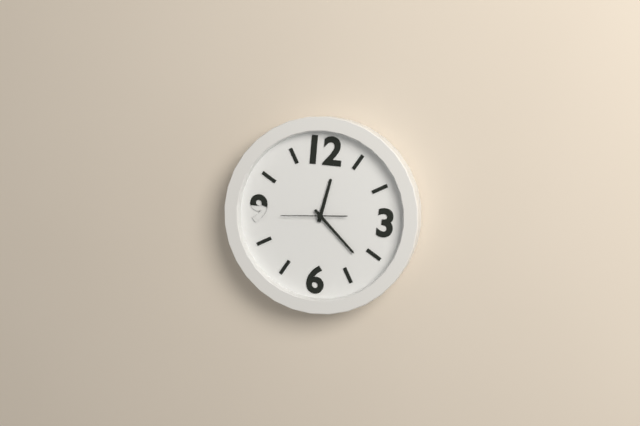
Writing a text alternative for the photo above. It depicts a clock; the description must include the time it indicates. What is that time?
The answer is 12:22:44
